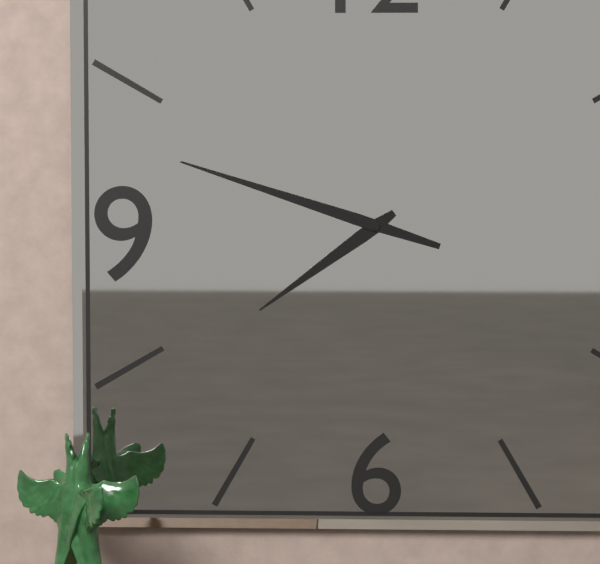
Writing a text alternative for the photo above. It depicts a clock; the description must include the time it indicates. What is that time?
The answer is 7:48
